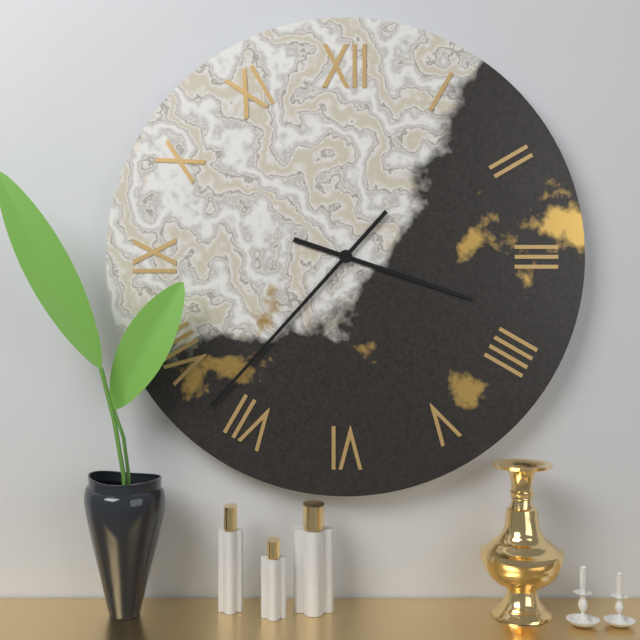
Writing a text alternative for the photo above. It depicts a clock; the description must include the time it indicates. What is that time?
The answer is 3:37
